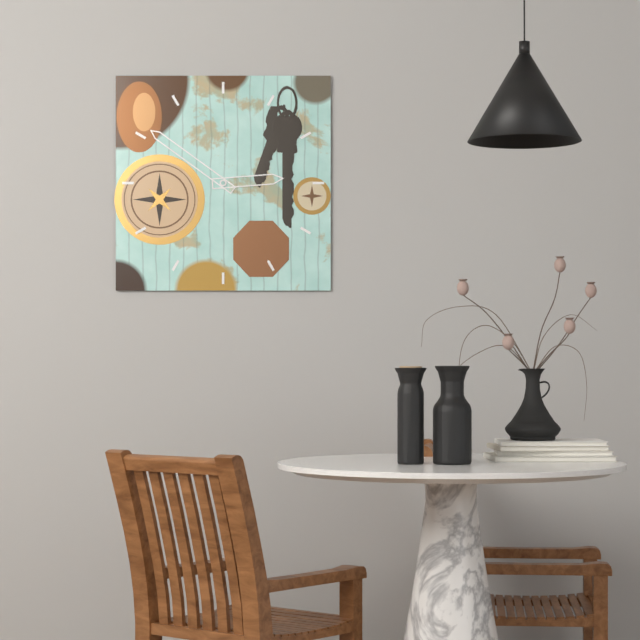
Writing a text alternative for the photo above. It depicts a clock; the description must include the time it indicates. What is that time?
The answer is 2:51
